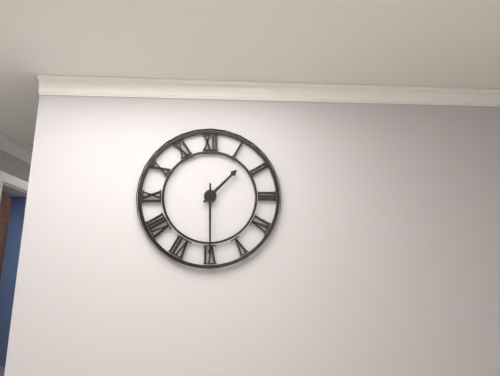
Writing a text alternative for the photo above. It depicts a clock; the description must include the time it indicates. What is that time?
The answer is 1:30
